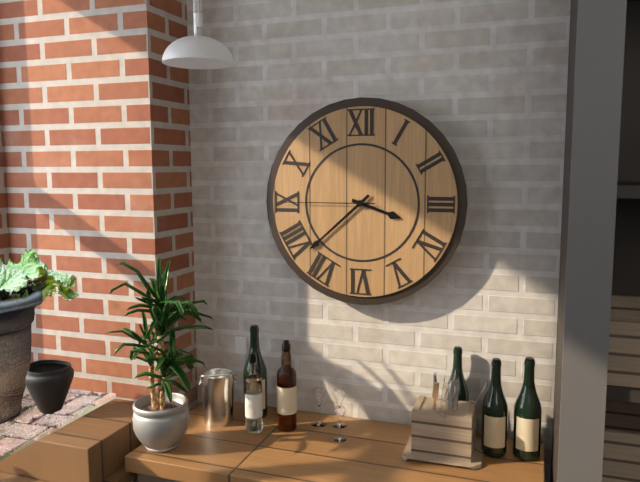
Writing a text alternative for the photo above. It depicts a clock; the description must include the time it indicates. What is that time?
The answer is 3:38:45
